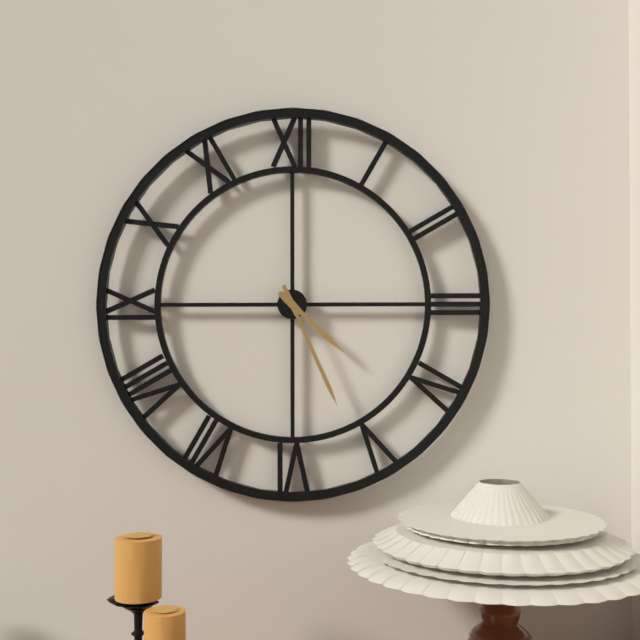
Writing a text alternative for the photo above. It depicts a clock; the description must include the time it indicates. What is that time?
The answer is 4:26
